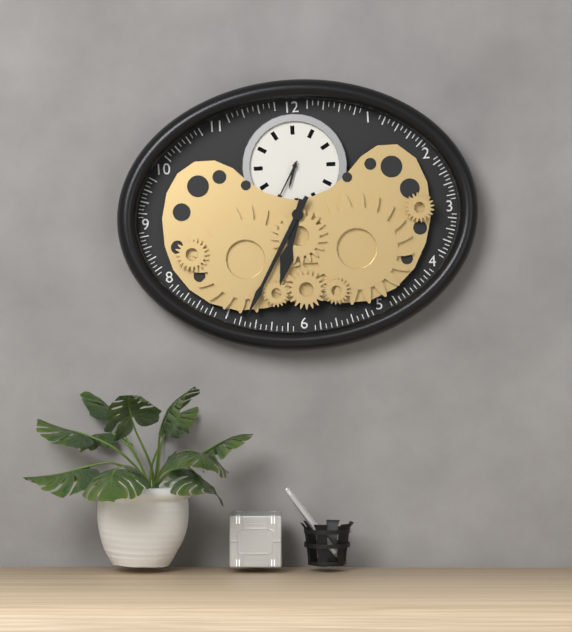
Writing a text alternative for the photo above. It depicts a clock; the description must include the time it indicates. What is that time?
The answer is 6:35
